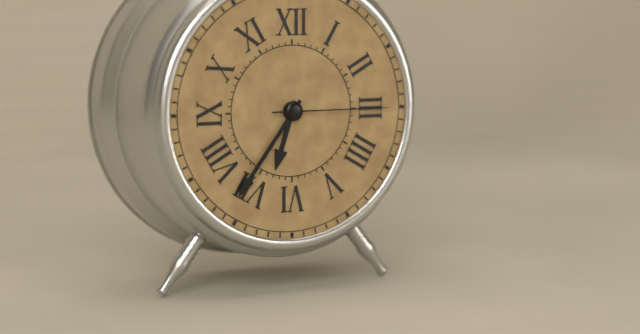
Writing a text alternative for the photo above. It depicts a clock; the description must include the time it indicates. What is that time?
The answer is 6:36:15
